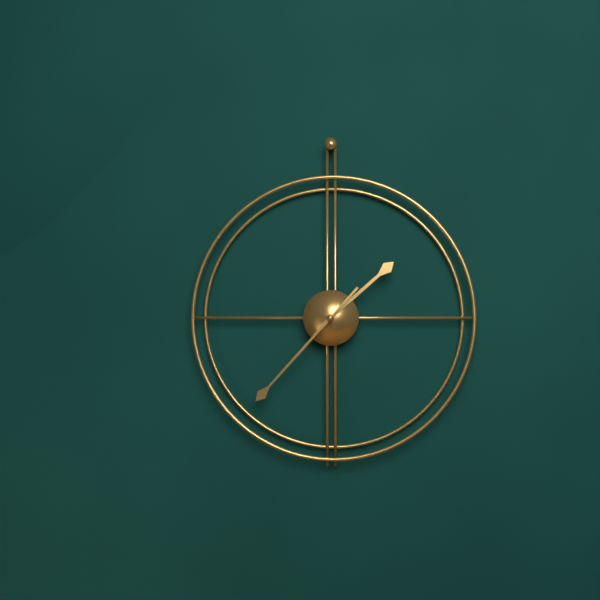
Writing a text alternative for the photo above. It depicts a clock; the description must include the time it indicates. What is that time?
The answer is 1:37
